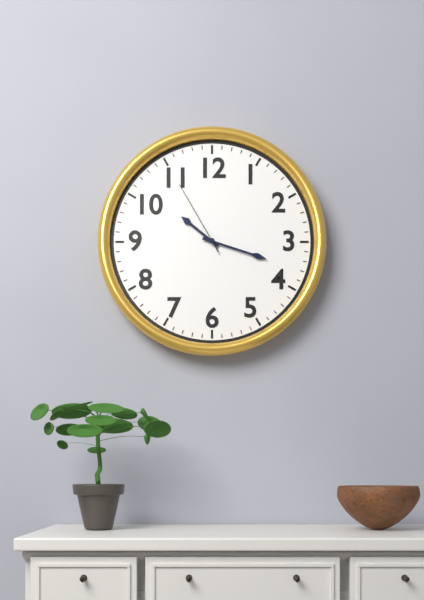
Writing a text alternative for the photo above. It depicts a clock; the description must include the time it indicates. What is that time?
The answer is 10:18:55
